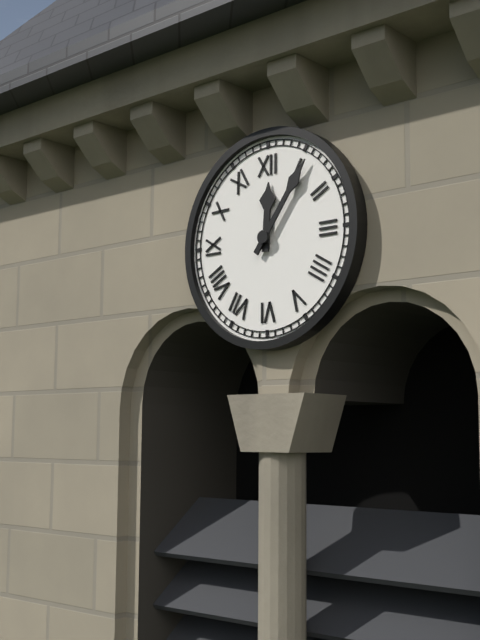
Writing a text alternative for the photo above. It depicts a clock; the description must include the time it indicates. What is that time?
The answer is 12:06
